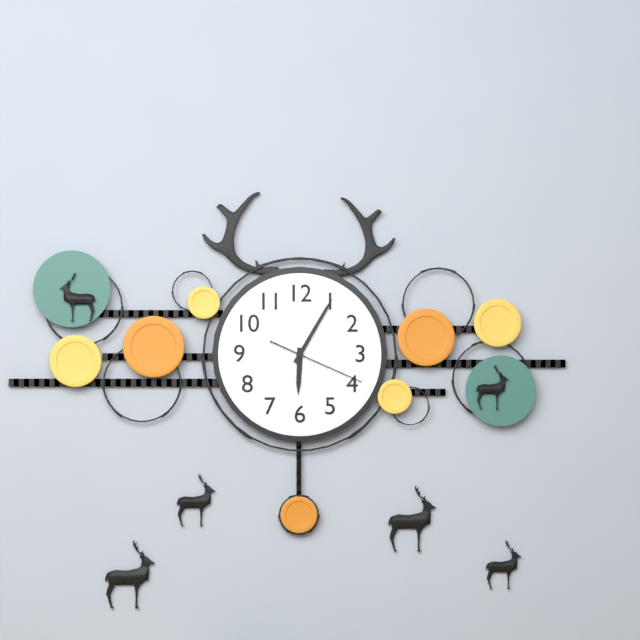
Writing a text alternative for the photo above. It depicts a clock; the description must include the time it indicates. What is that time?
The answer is 6:05:19
